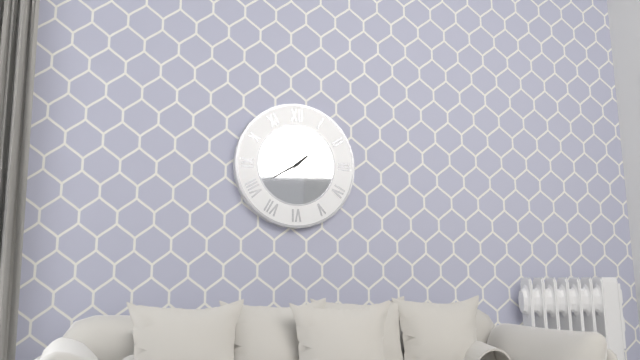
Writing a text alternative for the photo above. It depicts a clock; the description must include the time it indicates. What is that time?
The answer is 1:40
